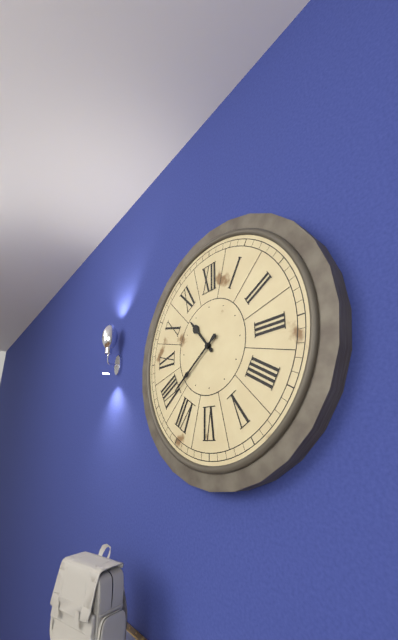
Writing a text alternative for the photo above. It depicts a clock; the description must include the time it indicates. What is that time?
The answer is 10:39
